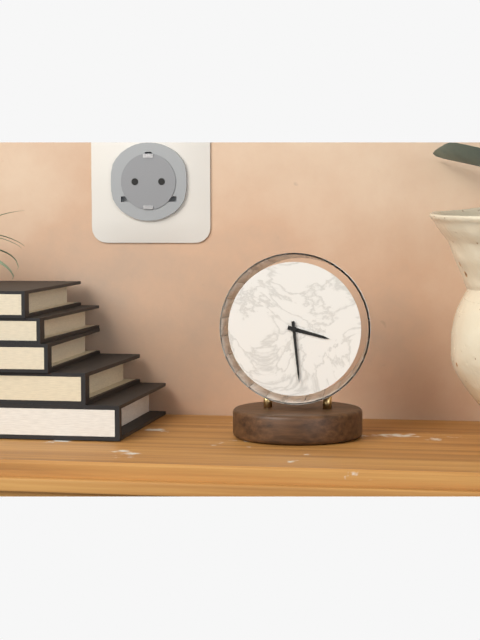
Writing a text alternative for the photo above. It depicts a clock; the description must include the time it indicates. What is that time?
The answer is 3:29
